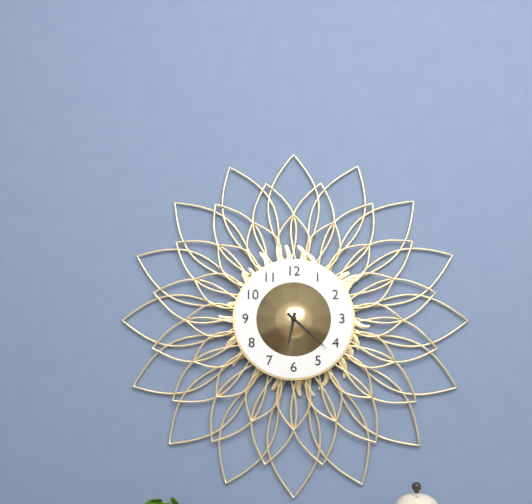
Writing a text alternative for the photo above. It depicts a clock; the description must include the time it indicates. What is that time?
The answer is 6:22
